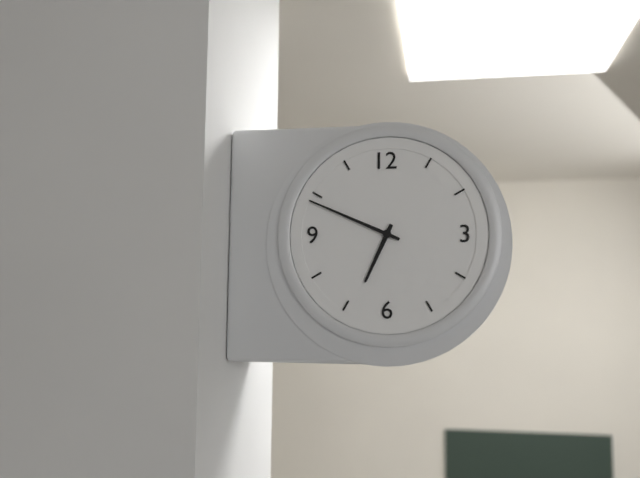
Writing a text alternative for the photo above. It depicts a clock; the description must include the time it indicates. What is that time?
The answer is 6:49
